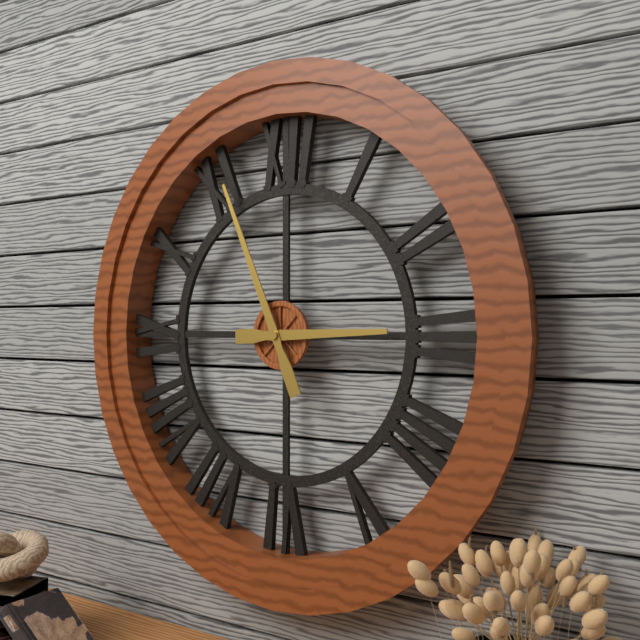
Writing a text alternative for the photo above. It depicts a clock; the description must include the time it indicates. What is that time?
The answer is 2:56
